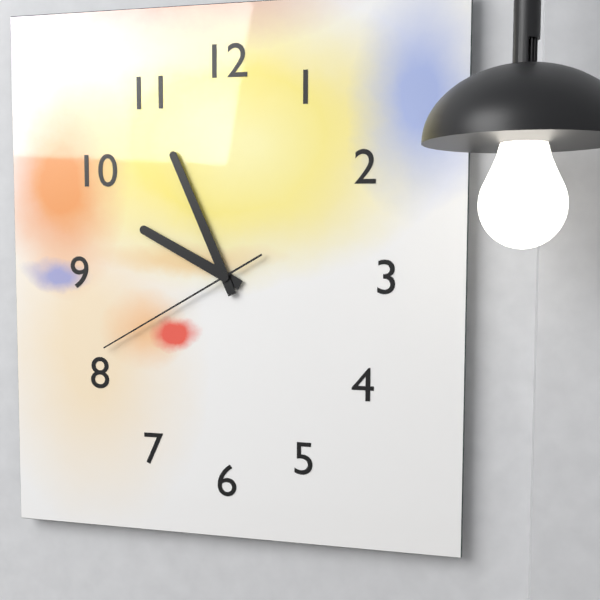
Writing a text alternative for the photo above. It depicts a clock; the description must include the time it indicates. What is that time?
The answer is 9:56:40
